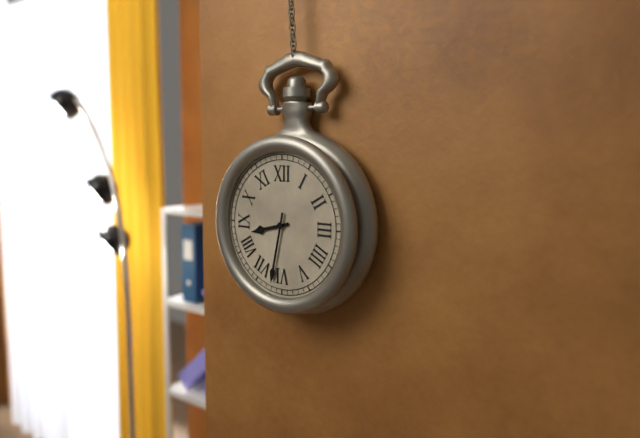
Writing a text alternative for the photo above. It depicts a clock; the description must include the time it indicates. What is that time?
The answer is 8:32
